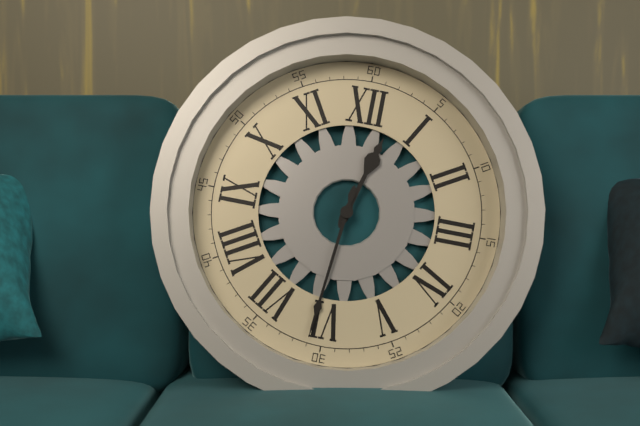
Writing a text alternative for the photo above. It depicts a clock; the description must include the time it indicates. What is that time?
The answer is 12:31
